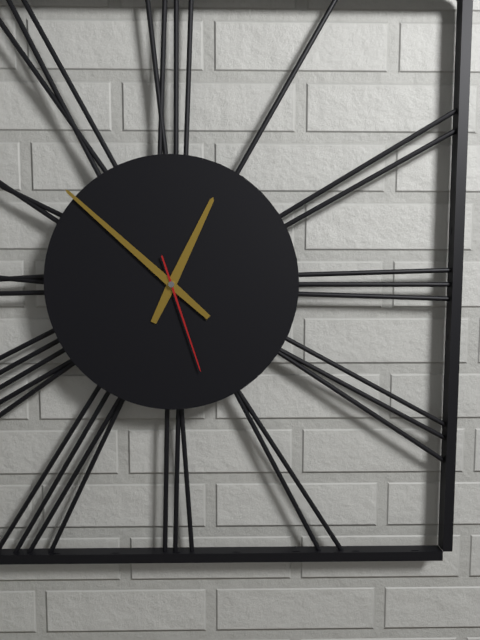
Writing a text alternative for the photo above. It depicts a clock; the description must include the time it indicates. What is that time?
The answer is 12:52:27
